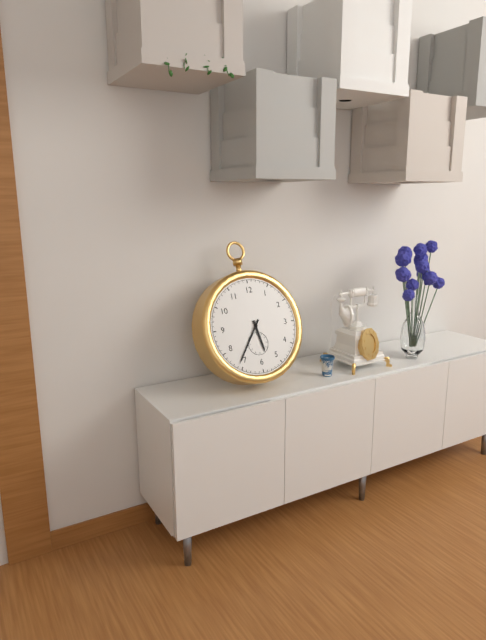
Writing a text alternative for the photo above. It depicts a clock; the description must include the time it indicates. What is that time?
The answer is 5:36
